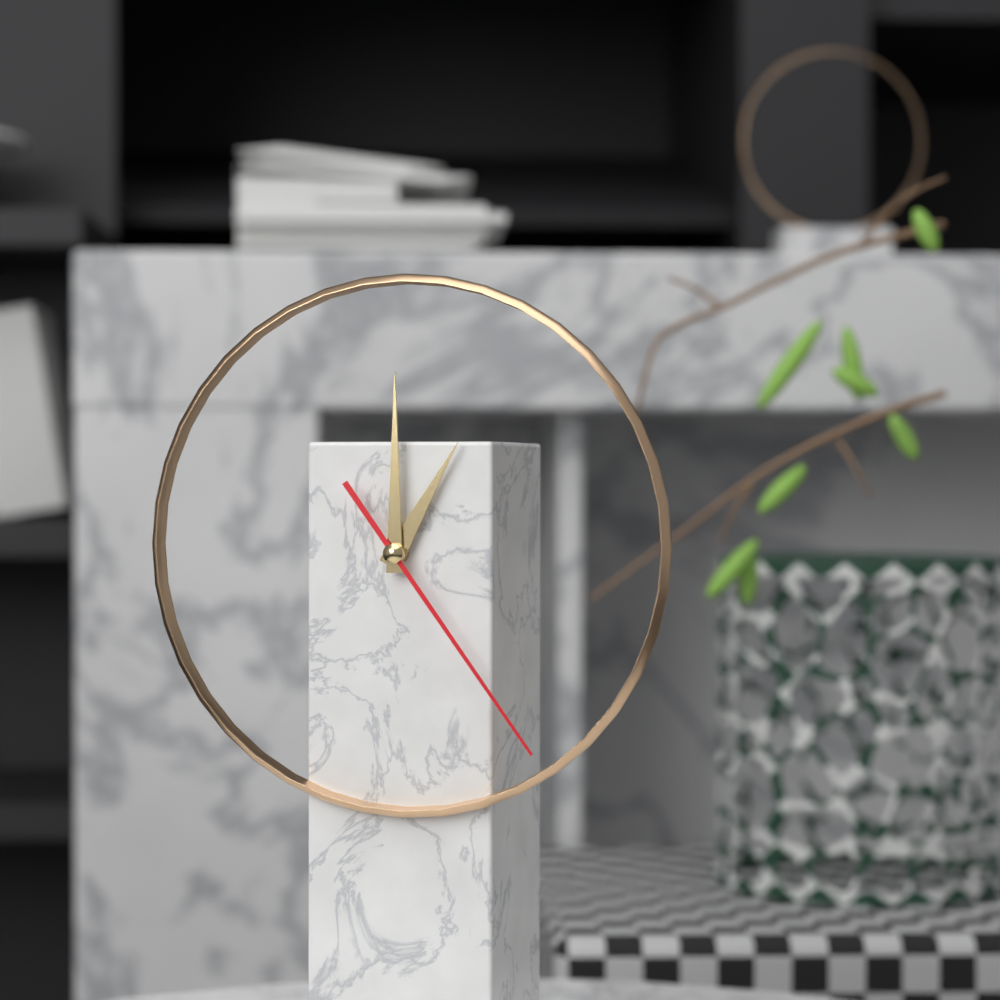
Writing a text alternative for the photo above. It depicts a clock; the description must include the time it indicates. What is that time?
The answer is 1:00:24
